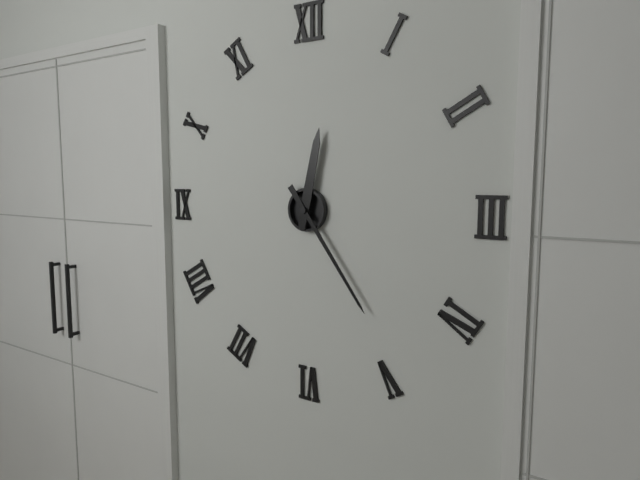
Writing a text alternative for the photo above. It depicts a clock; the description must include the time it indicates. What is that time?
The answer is 12:24
